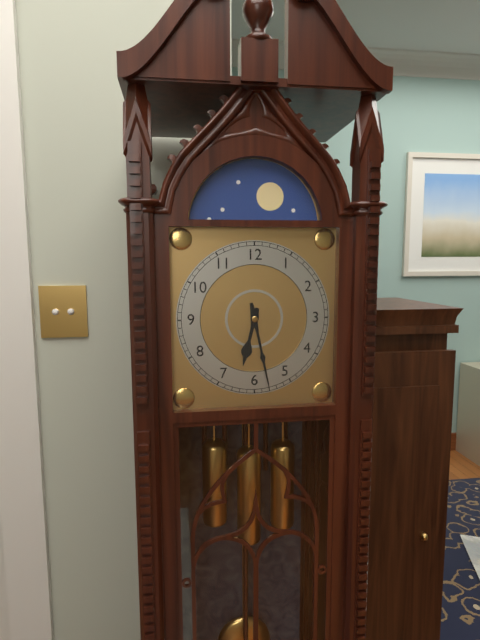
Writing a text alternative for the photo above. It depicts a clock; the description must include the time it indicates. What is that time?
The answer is 6:28
